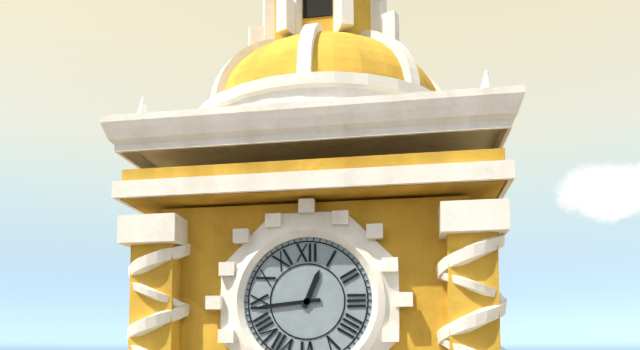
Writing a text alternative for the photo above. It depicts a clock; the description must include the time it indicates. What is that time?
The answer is 12:44
